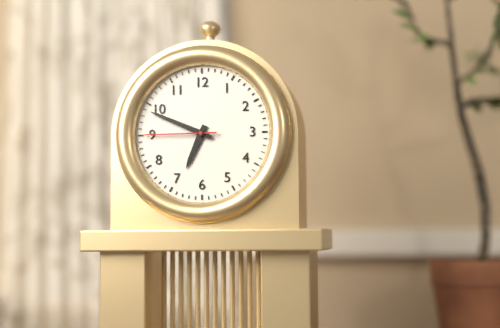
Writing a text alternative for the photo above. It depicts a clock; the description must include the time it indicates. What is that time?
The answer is 6:49:45
